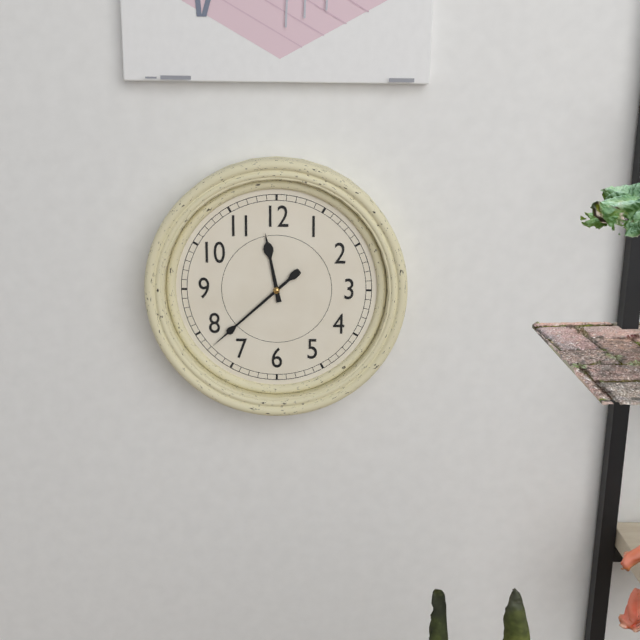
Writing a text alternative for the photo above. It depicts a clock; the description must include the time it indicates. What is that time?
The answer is 11:38
